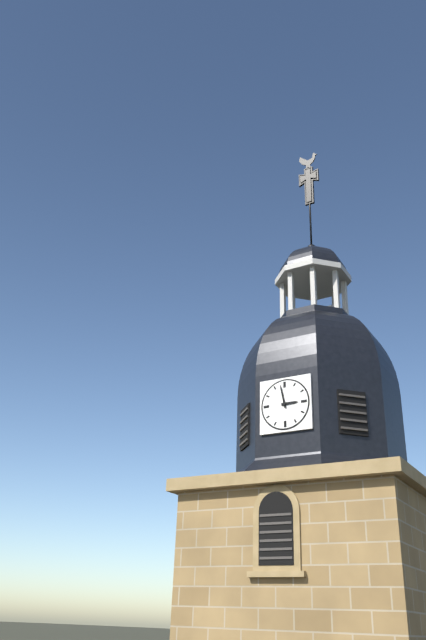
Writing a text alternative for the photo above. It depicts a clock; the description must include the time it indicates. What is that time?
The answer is 2:58
